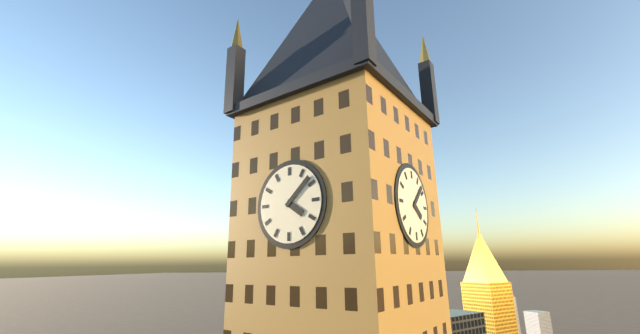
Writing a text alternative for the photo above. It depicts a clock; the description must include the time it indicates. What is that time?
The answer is 4:08
